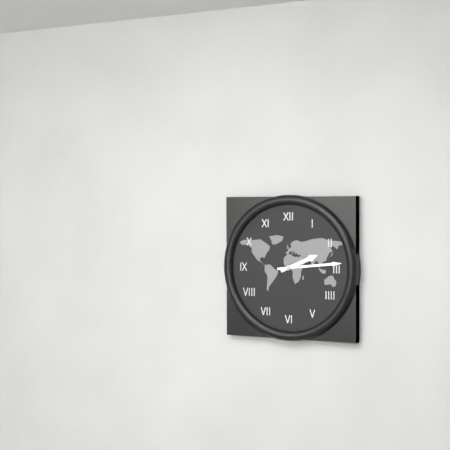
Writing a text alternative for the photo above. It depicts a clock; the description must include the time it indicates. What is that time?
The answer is 2:14
